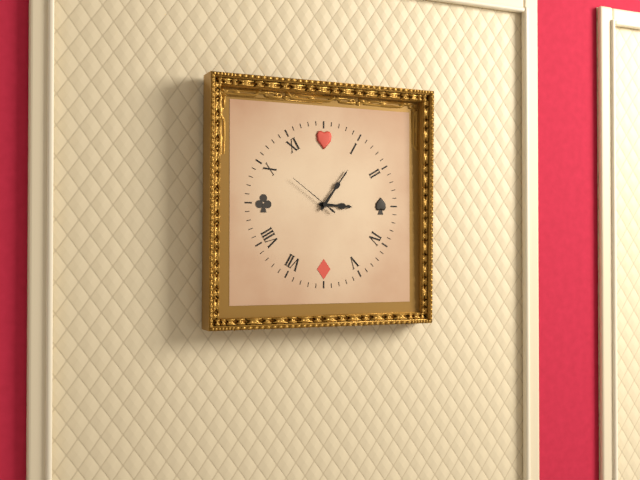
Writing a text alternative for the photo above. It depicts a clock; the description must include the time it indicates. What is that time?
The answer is 3:06:51
